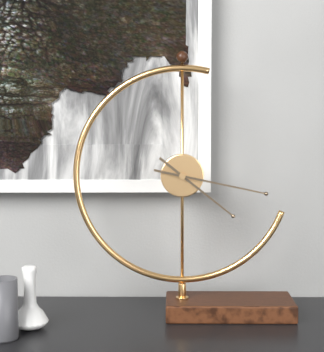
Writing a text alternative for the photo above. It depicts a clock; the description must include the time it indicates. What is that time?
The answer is 4:17
